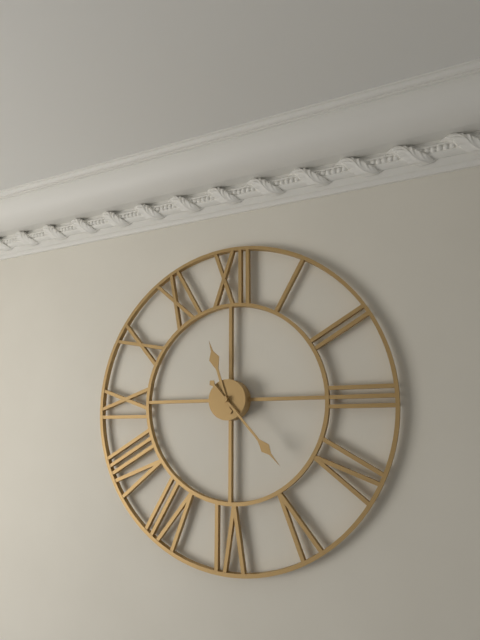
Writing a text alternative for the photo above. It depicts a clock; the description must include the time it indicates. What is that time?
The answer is 11:23
